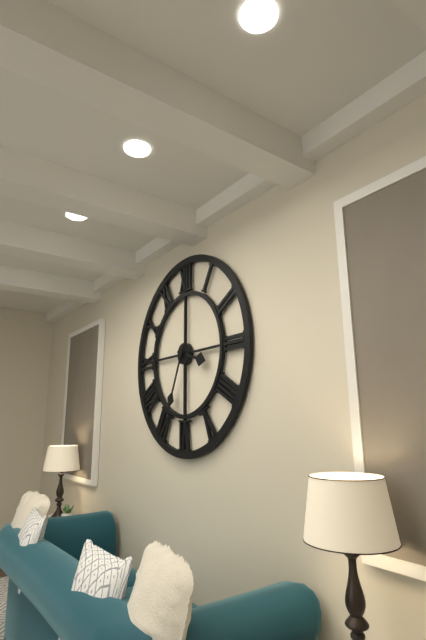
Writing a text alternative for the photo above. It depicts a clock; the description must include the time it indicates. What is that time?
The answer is 3:34
